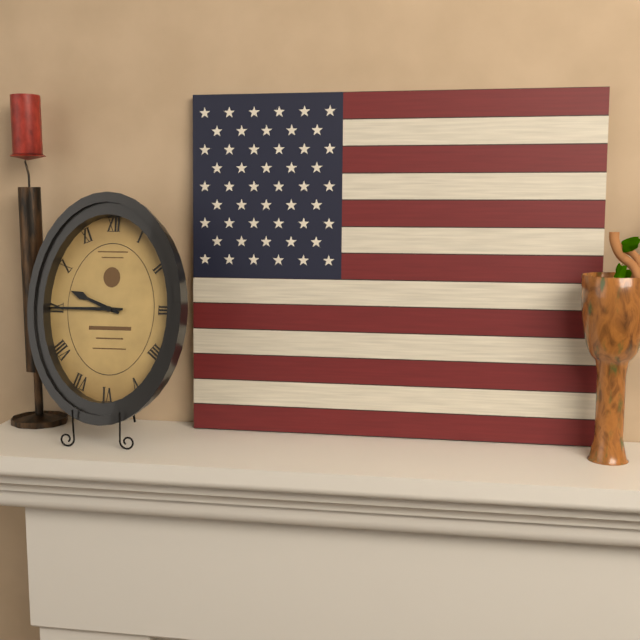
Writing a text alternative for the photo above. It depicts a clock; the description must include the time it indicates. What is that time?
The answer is 9:45
